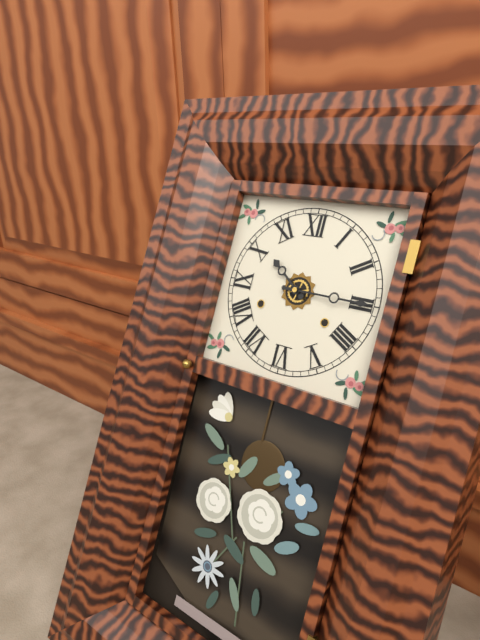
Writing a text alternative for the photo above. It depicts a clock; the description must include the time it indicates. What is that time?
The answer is 10:15
